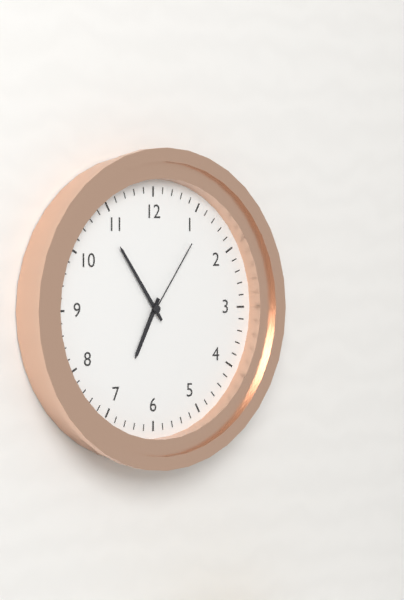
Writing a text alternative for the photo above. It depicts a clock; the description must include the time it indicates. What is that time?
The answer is 6:54:06
